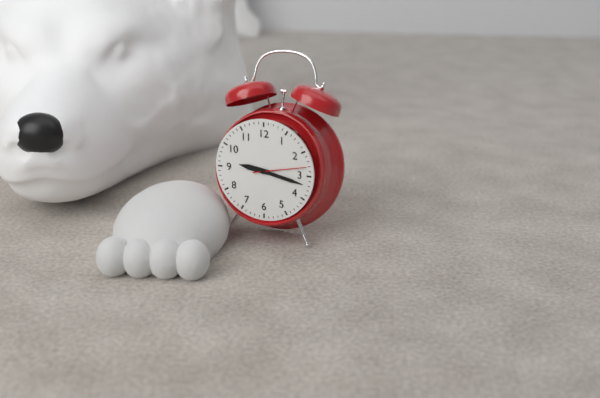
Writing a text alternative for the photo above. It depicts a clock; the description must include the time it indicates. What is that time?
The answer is 9:17
